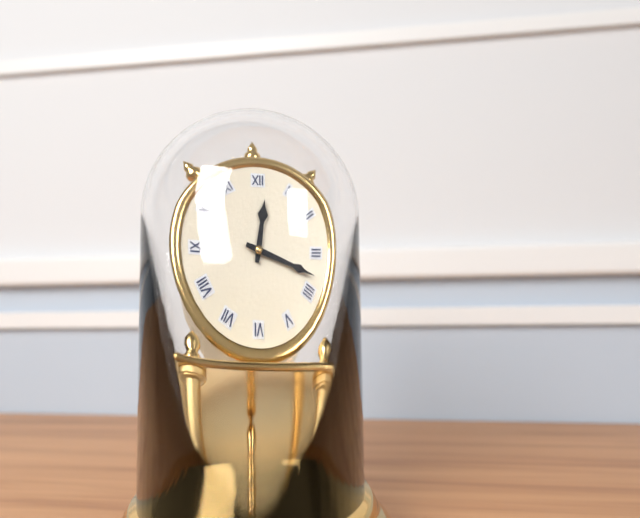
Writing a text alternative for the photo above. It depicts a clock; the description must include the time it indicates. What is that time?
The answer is 12:18
